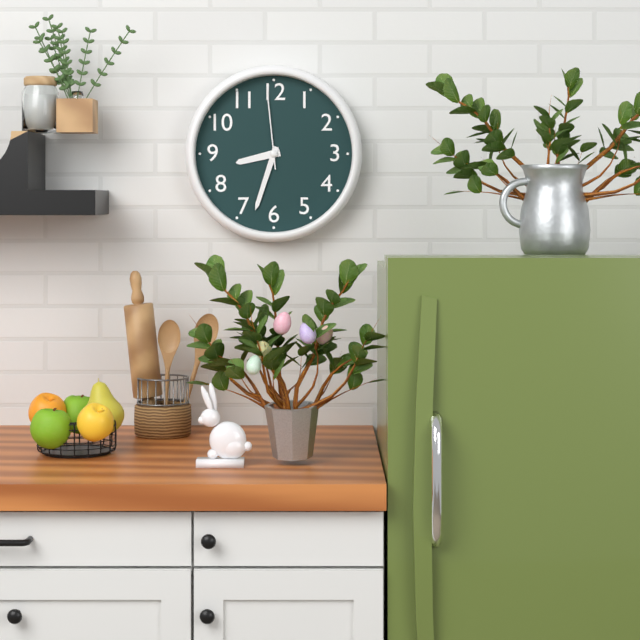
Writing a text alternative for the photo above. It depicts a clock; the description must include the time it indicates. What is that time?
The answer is 8:33:59
